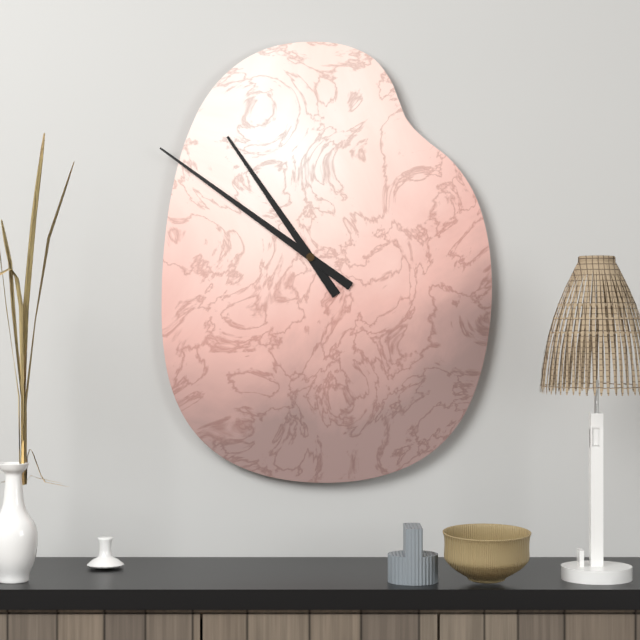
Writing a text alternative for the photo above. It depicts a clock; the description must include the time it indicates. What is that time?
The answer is 10:51
